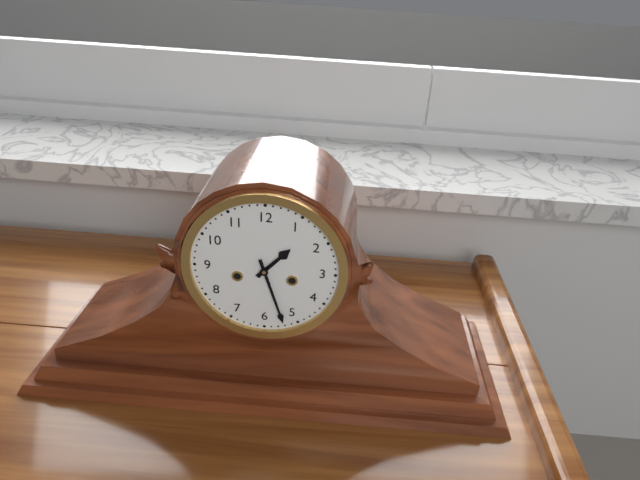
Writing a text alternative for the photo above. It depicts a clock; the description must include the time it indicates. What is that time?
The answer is 1:27
